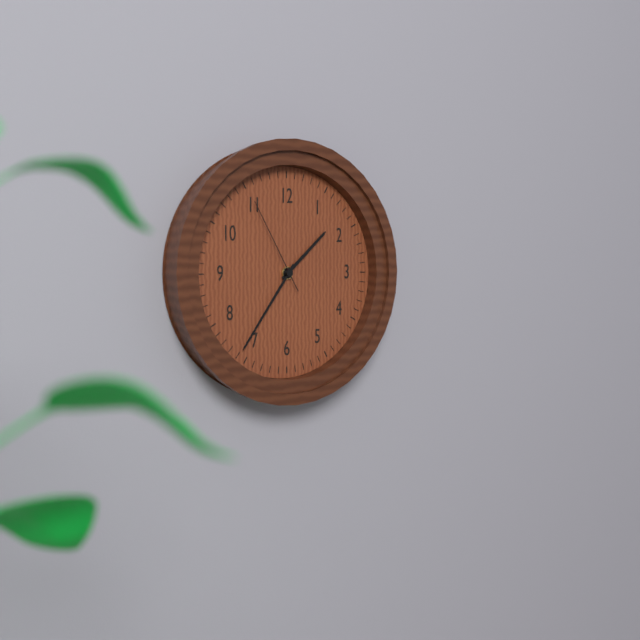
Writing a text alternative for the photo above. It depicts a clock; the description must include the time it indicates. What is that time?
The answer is 1:36:55
